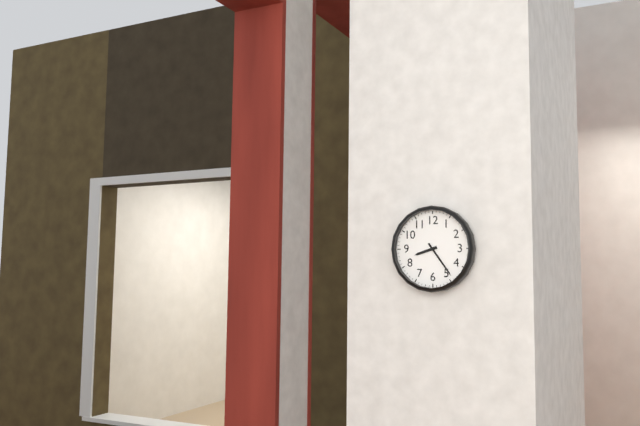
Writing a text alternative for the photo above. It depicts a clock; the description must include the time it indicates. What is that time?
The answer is 8:24
